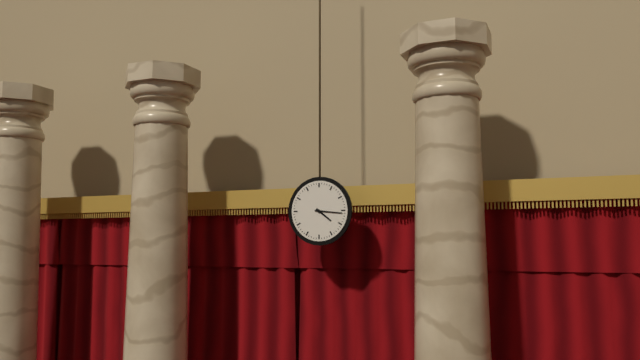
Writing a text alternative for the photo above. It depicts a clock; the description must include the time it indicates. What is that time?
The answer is 4:16
